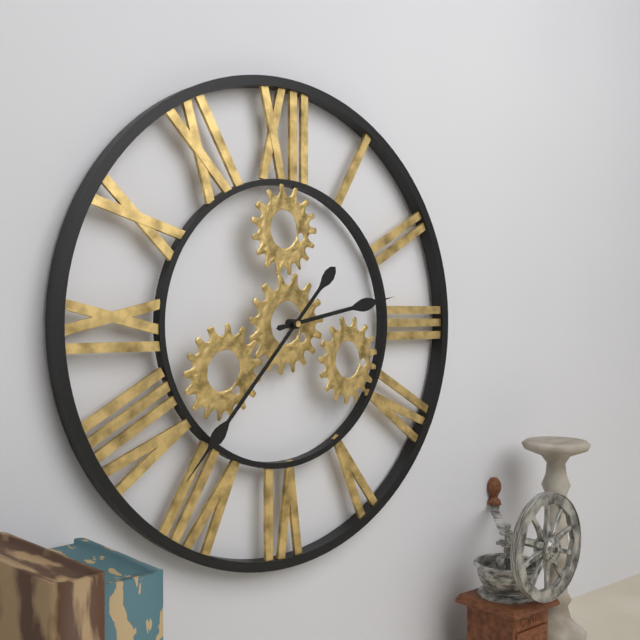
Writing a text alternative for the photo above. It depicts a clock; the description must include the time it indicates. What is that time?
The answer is 2:37
